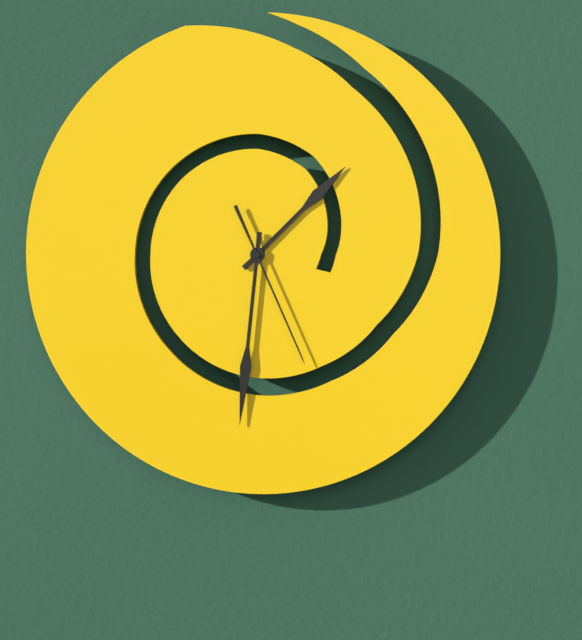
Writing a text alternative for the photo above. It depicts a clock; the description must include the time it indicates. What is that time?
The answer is 1:31:26
